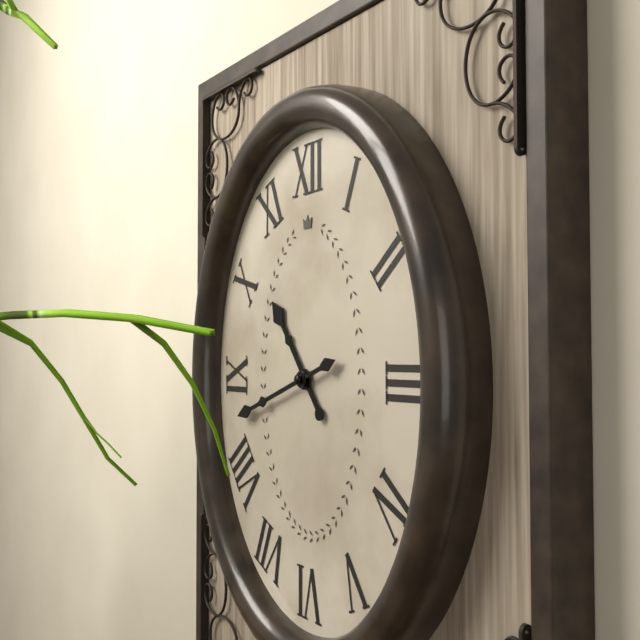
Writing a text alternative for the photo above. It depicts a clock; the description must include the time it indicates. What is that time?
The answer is 10:42
